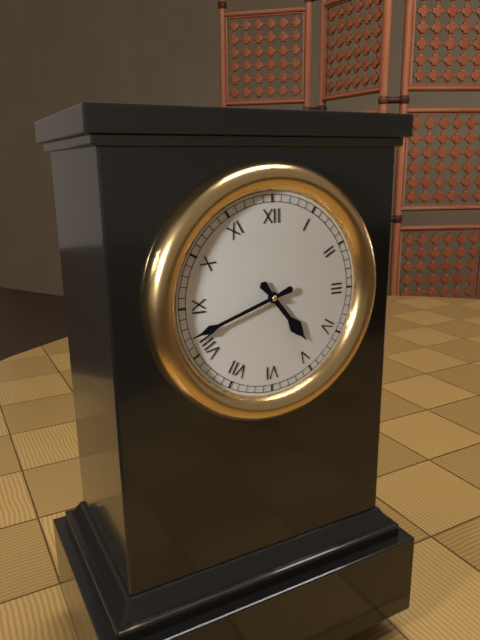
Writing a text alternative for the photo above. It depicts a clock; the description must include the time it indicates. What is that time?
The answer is 4:42
